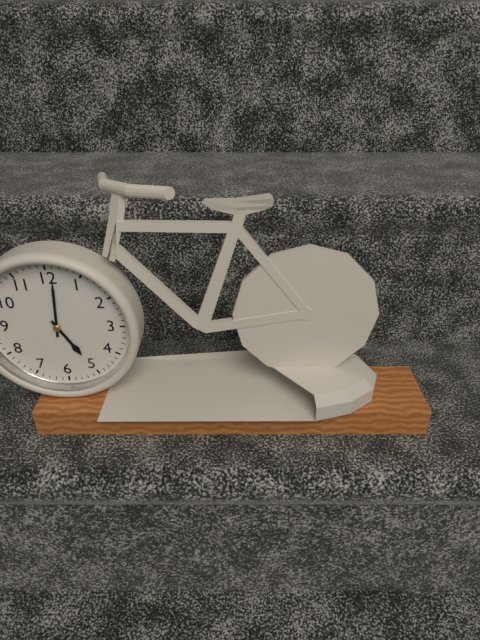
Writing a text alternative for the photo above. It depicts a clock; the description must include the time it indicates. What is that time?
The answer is 5:01
